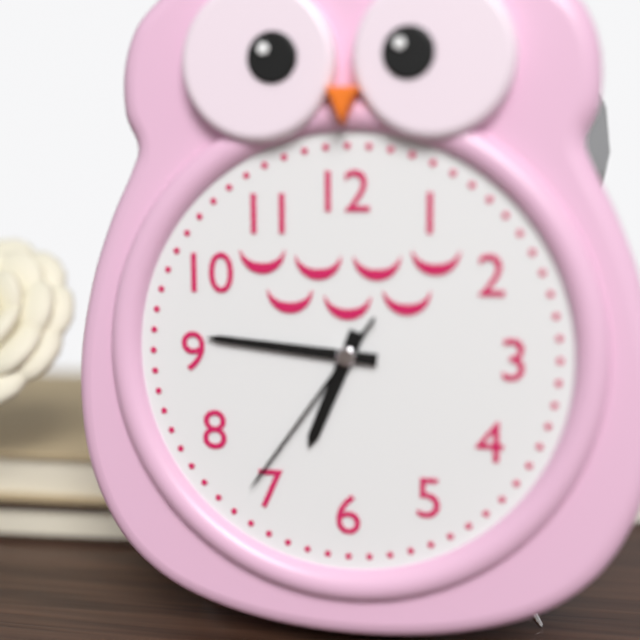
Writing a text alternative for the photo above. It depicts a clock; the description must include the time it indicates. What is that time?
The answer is 6:46:36
